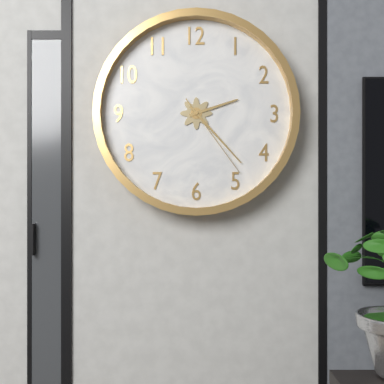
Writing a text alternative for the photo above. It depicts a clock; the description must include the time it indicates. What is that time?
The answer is 2:23:24
